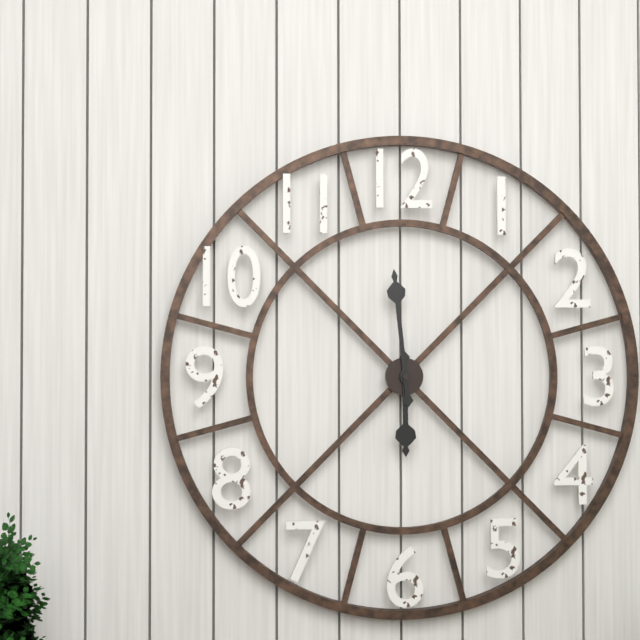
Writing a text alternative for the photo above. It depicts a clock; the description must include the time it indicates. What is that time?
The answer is 5:59
